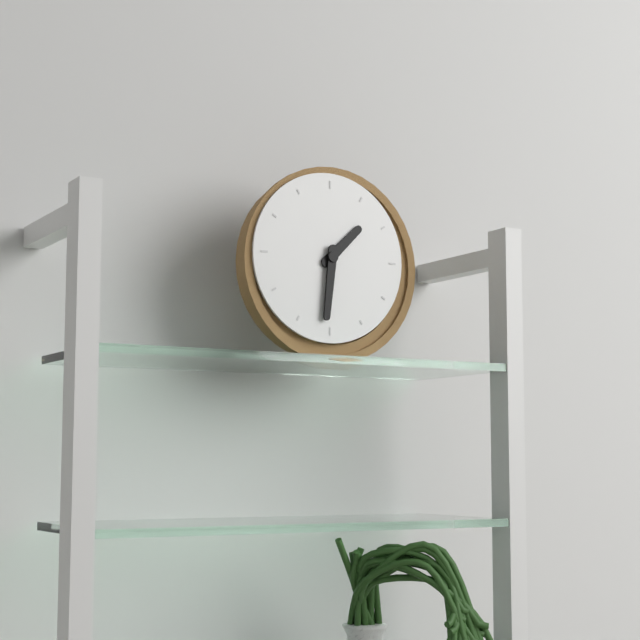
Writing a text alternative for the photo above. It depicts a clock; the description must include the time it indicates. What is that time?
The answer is 1:31
